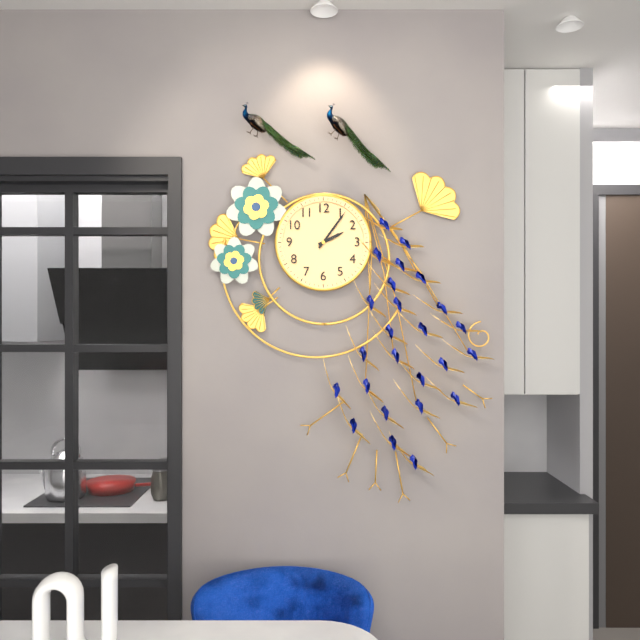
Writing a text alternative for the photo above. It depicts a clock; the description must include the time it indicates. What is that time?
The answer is 2:06
